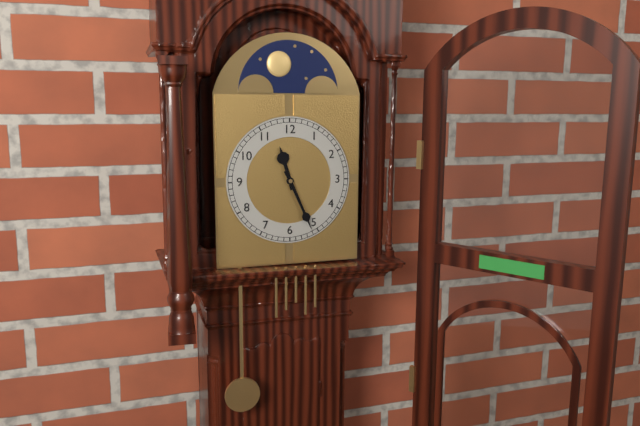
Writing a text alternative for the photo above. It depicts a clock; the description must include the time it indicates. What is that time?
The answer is 11:26
